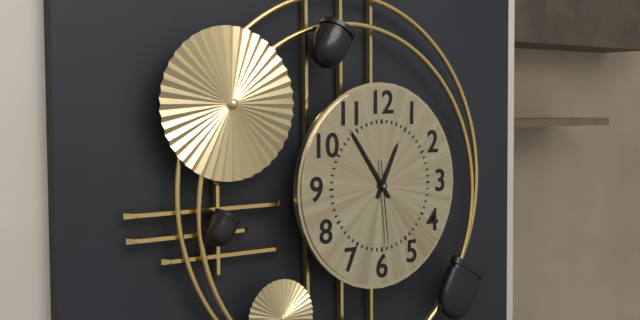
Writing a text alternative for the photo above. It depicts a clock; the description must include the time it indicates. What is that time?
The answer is 12:54:29
